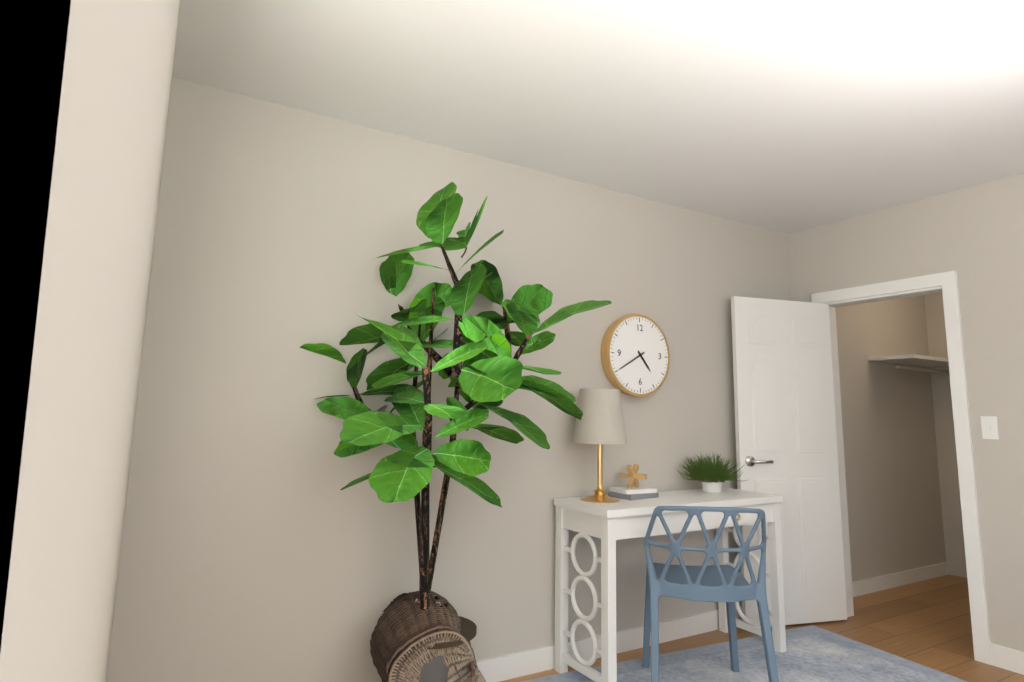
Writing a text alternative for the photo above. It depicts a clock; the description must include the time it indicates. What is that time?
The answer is 4:40
